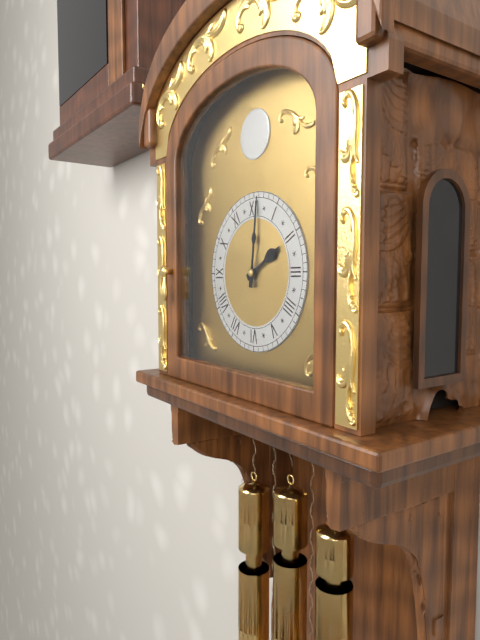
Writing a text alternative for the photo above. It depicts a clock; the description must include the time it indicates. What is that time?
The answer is 2:01
